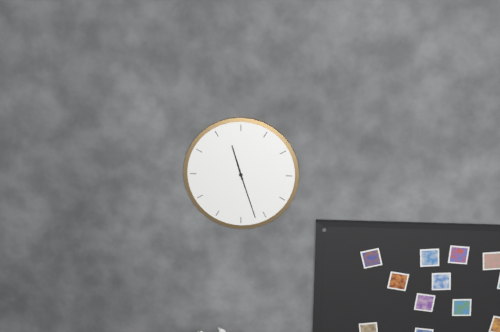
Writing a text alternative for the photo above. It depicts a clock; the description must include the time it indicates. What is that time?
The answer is 11:27
